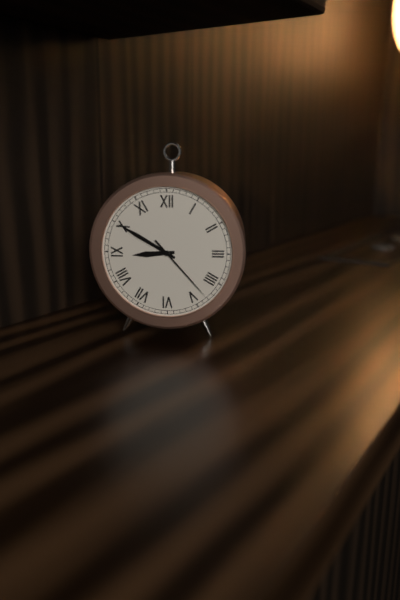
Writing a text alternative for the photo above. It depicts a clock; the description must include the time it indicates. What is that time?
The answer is 8:50:23
